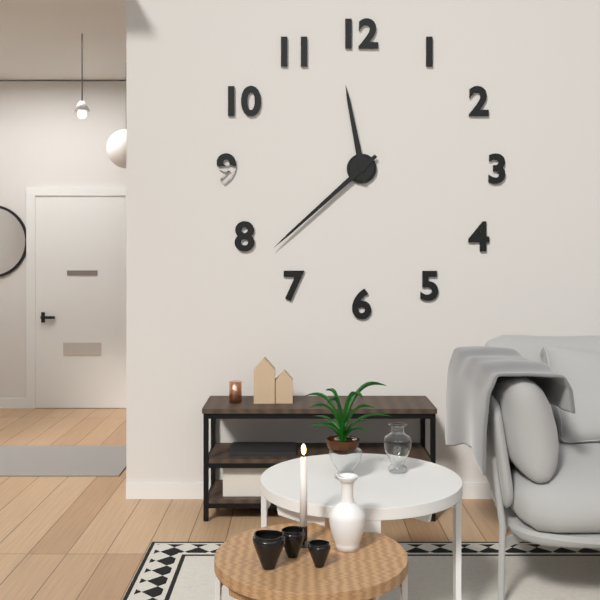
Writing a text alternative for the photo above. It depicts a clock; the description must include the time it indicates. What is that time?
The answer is 11:38
